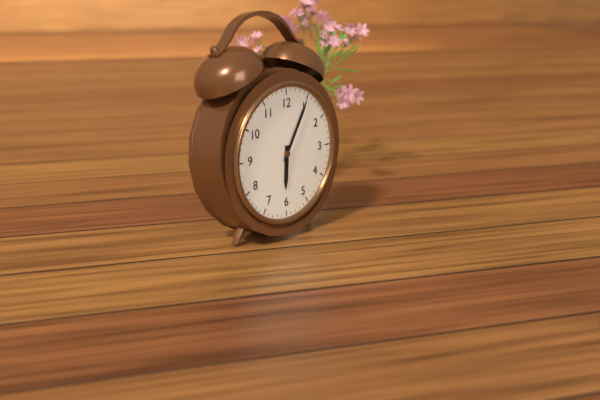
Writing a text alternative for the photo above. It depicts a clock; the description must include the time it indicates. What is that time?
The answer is 6:05
